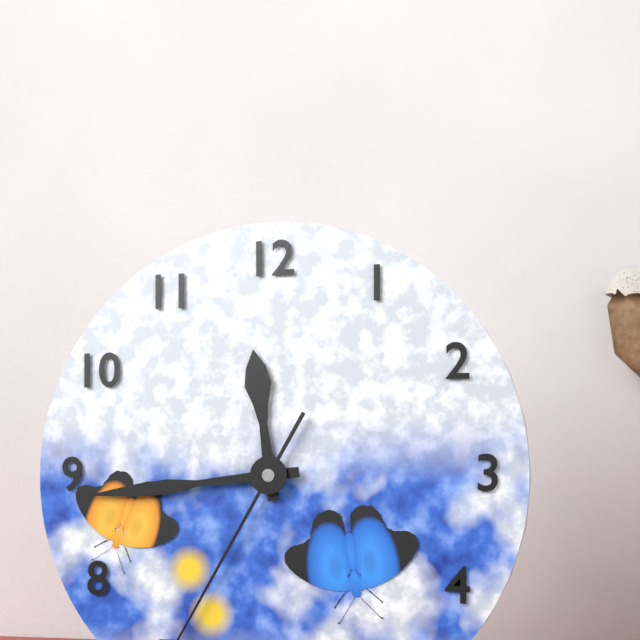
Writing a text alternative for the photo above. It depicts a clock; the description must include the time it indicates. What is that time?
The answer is 11:44
